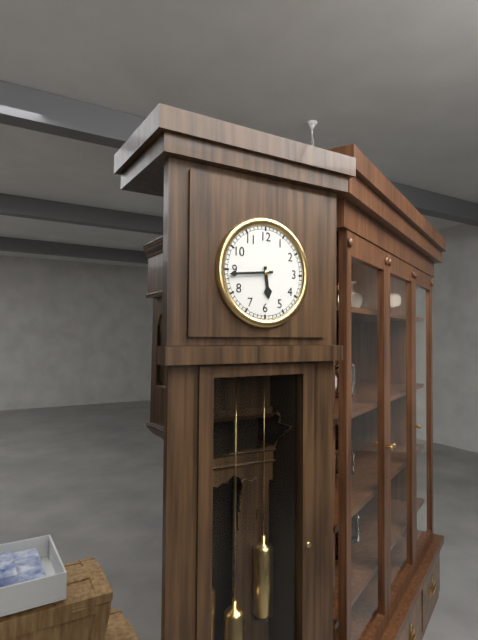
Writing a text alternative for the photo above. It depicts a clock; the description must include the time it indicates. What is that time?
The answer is 5:44
